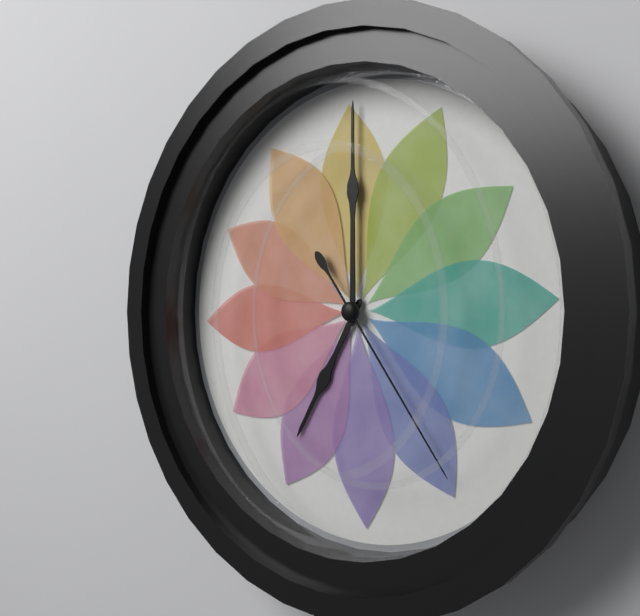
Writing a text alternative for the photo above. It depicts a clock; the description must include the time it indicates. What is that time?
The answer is 7:00:24
